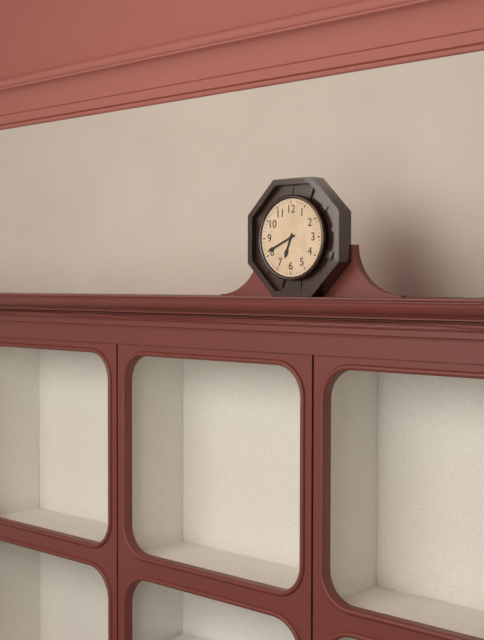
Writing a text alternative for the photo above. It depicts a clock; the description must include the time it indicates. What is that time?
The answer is 6:41
